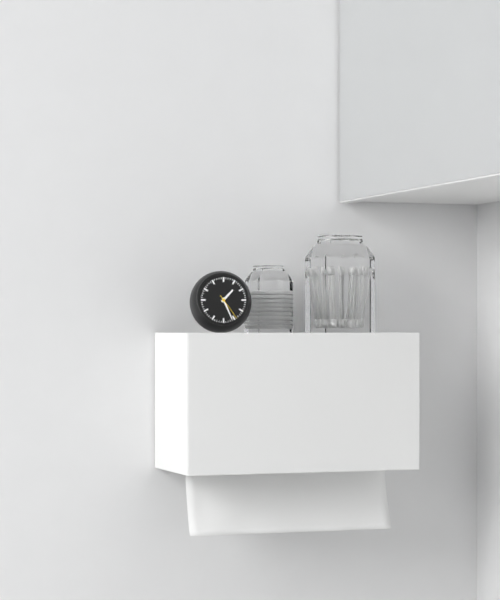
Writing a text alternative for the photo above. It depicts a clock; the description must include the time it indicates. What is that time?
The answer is 1:26
